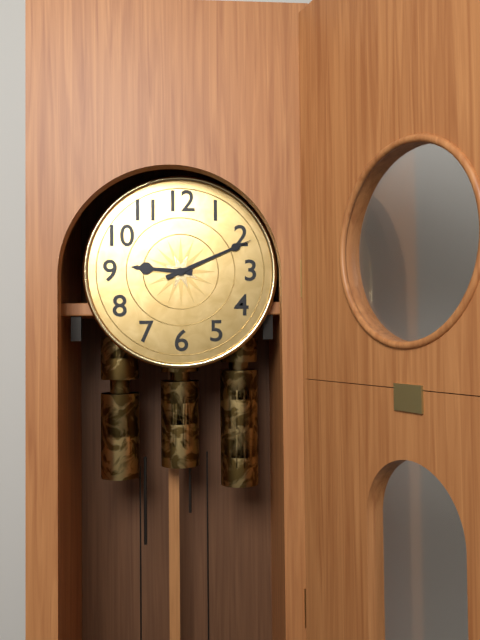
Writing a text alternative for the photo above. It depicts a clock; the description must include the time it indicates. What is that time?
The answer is 9:11
